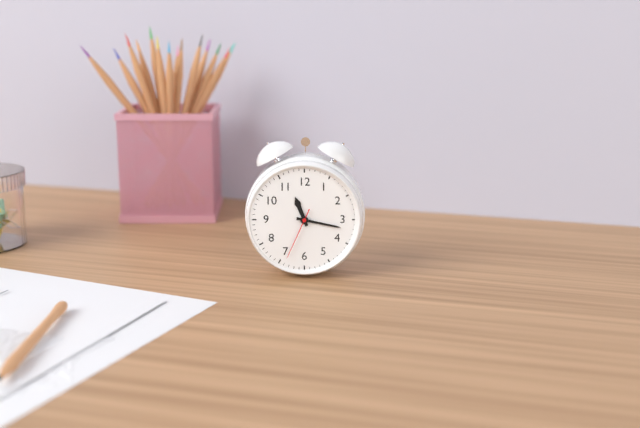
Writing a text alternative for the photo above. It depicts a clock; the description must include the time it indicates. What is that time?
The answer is 11:17:34
